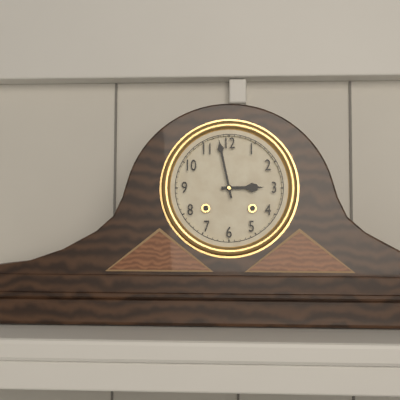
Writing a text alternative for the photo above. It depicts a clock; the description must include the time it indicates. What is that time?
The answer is 2:58
